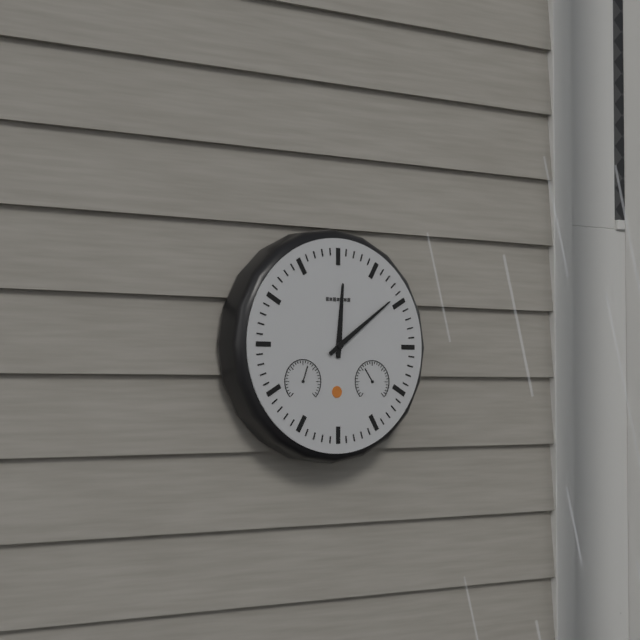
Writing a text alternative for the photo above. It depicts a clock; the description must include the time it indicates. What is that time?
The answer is 12:09
